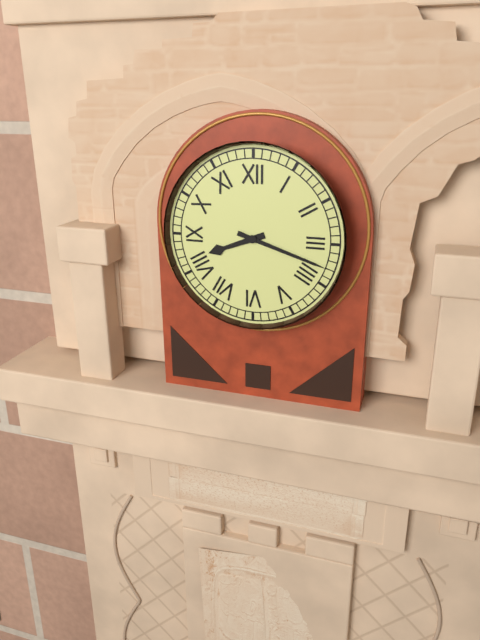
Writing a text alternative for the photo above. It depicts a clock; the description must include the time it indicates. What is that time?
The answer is 8:18
